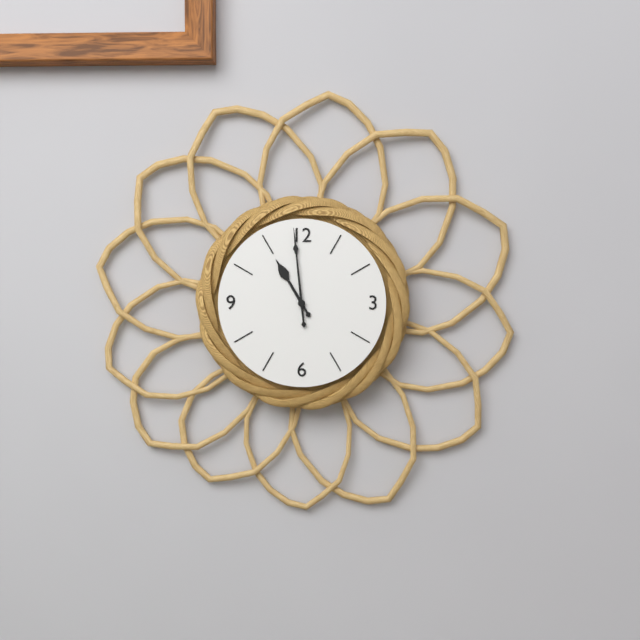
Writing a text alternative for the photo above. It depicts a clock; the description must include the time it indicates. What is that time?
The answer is 10:59
